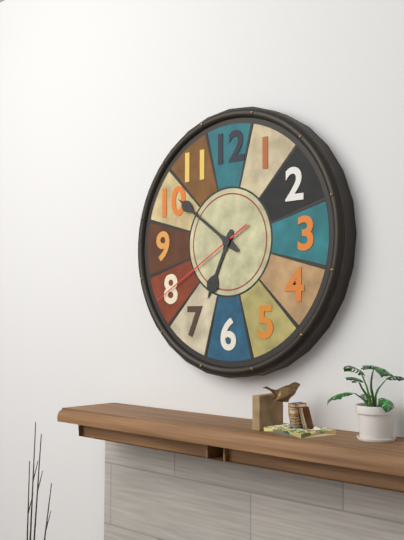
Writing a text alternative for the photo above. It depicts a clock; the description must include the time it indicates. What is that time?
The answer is 6:51:40
